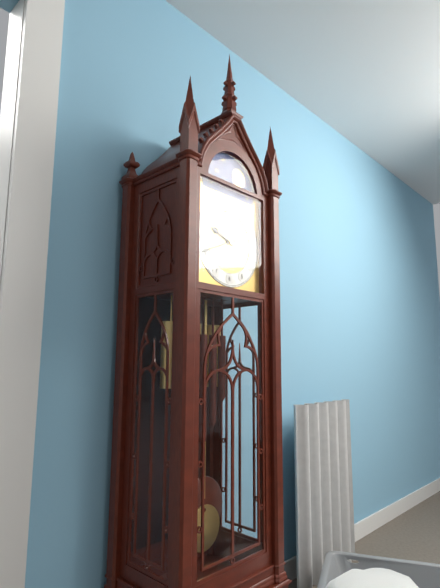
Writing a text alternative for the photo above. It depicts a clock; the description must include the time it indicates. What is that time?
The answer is 9:41
